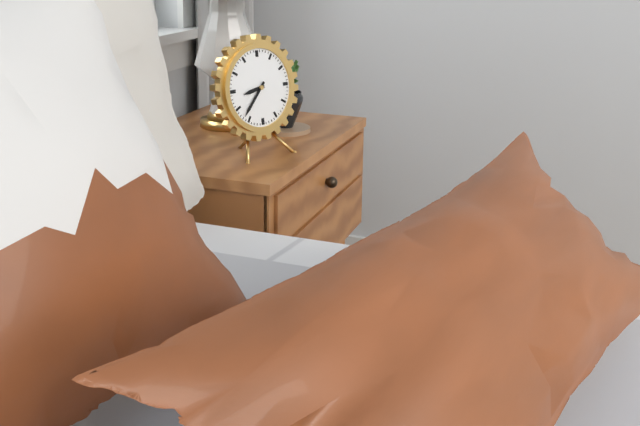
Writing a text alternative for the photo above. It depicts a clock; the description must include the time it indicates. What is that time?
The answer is 8:37
